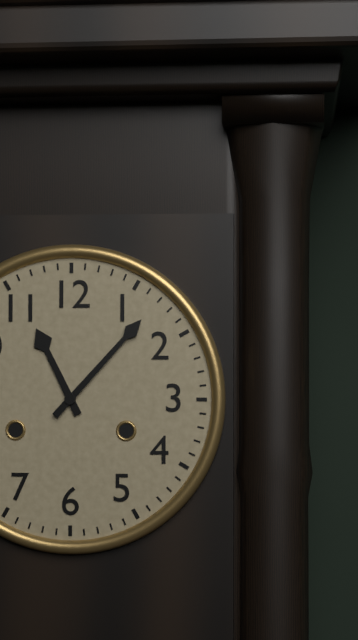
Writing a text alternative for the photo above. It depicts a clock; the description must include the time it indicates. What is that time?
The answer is 11:07
